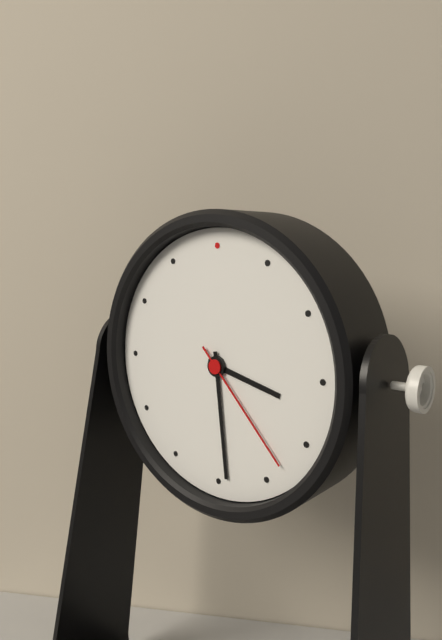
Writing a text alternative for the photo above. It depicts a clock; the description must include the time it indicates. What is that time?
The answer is 3:29:23
